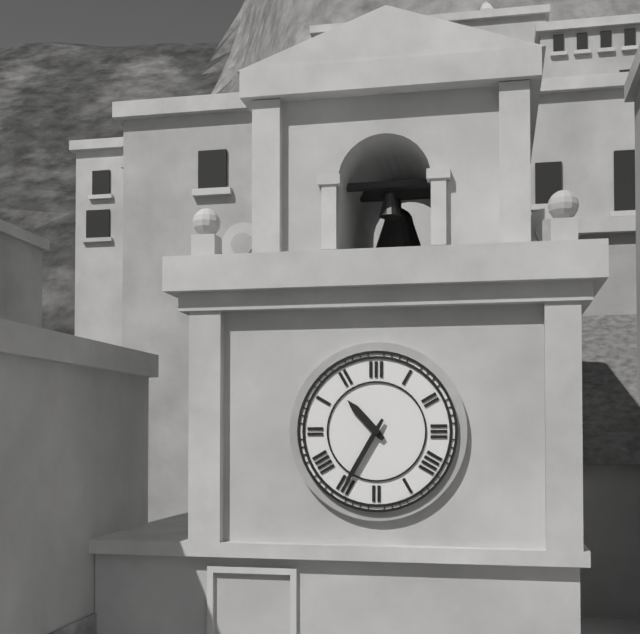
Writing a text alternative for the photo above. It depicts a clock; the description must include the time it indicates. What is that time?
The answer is 10:35
